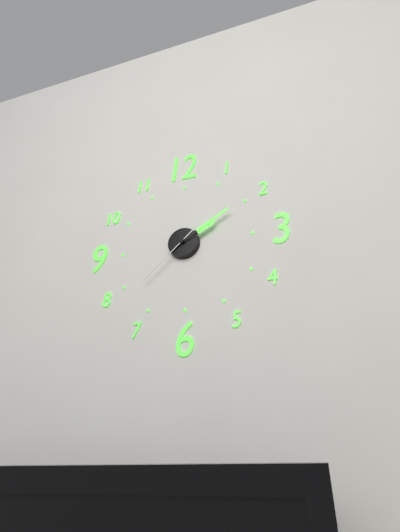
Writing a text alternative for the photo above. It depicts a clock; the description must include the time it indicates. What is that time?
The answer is 2:10:38
